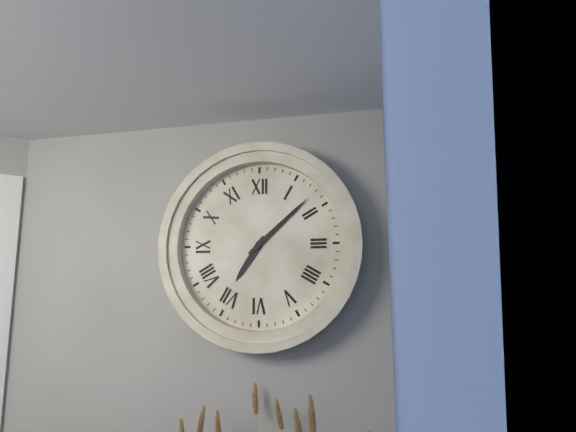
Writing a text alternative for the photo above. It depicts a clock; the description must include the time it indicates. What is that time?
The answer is 7:08
